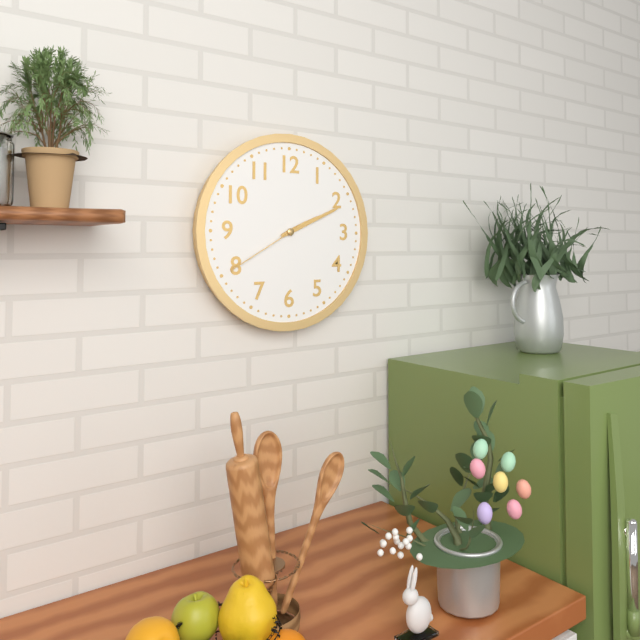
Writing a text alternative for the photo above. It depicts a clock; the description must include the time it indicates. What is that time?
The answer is 2:11:40
